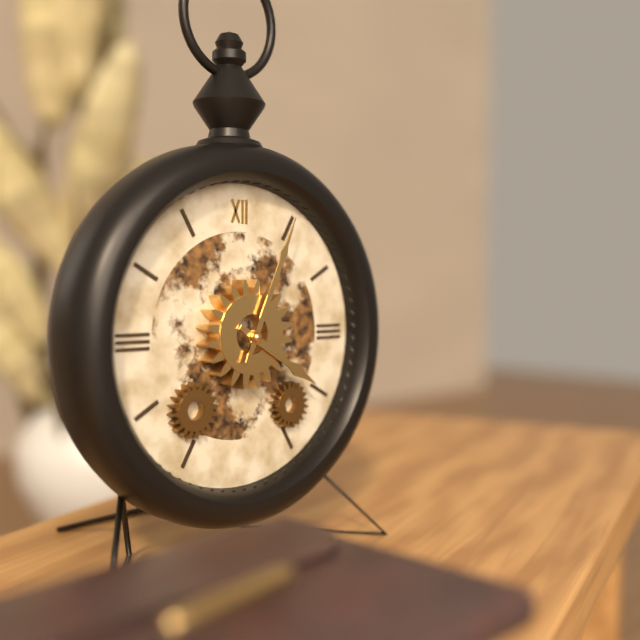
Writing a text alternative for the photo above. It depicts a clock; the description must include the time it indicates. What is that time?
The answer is 4:04
